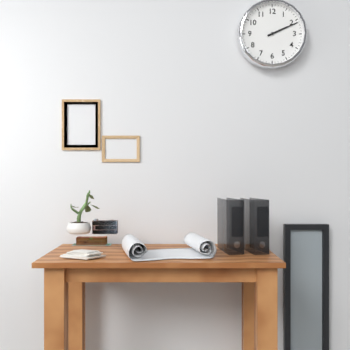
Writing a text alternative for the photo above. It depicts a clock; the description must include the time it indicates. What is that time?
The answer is 2:11
